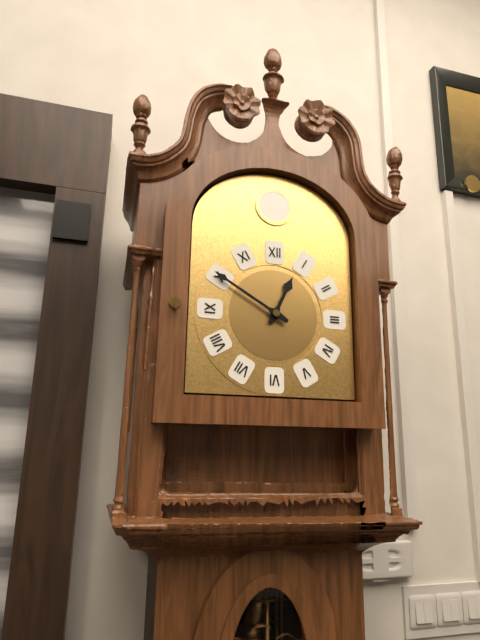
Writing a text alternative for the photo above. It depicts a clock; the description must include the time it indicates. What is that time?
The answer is 12:50
